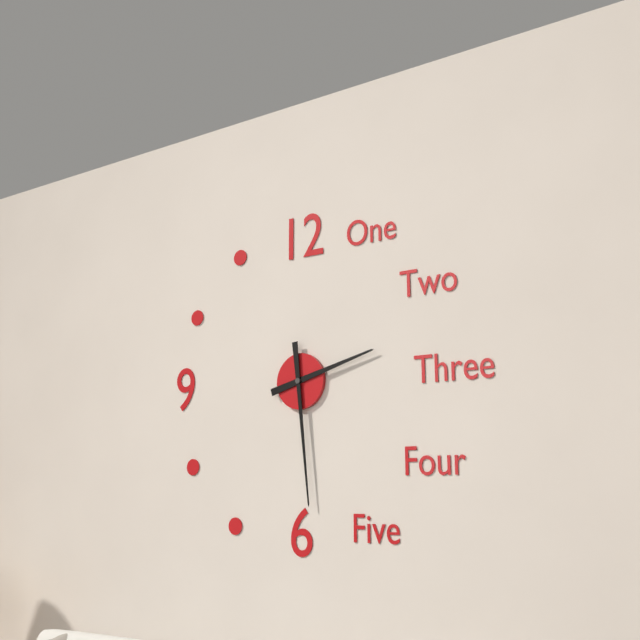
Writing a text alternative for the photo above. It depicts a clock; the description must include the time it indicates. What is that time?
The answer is 2:29
